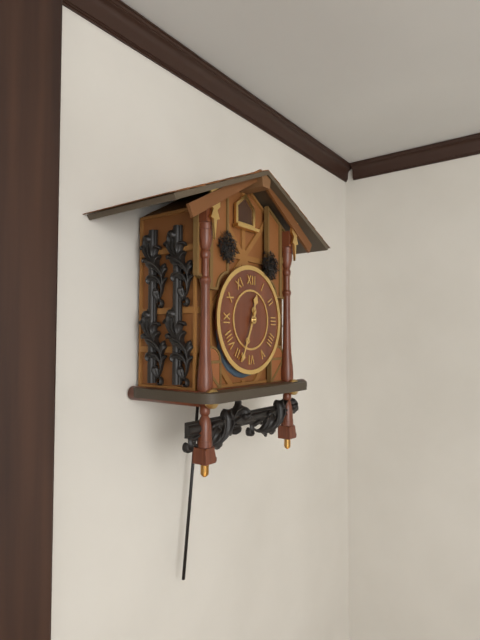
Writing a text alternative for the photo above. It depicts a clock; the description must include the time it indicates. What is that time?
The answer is 12:34
